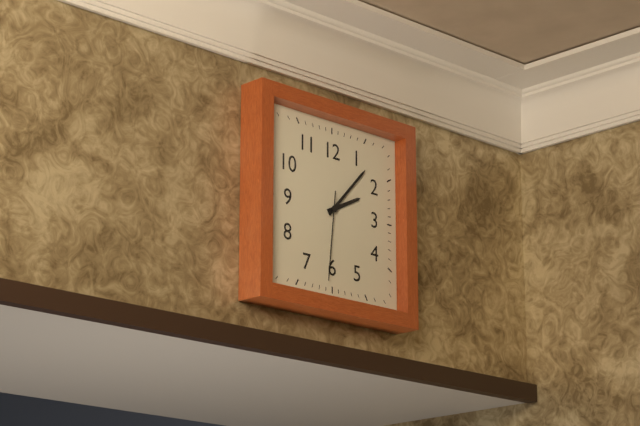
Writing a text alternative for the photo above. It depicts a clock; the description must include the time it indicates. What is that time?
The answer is 2:07:31
